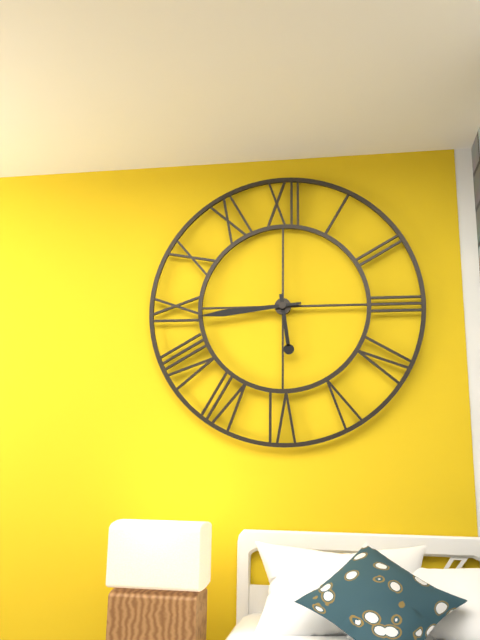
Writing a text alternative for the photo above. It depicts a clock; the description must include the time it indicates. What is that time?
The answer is 5:44
